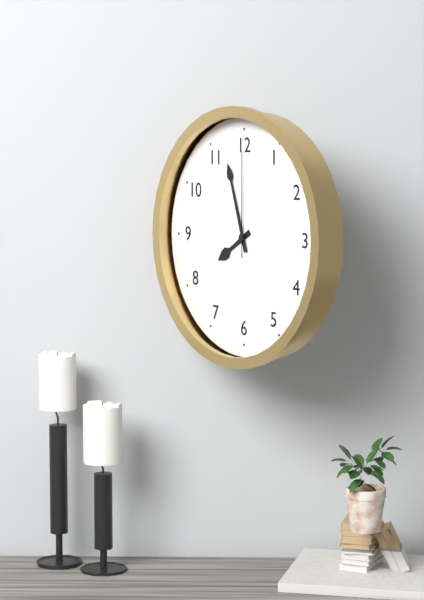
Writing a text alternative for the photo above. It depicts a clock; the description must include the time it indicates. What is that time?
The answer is 7:57:00
